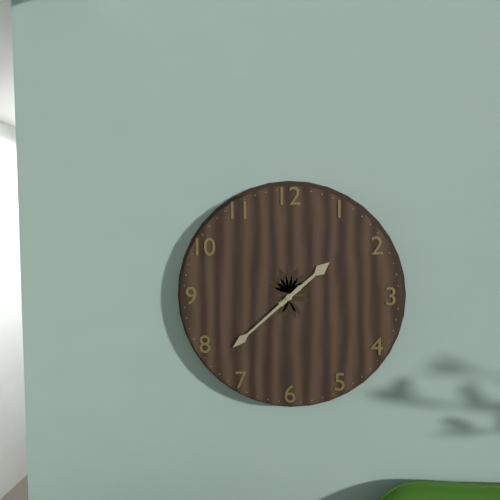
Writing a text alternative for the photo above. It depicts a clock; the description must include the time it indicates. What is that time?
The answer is 1:38
